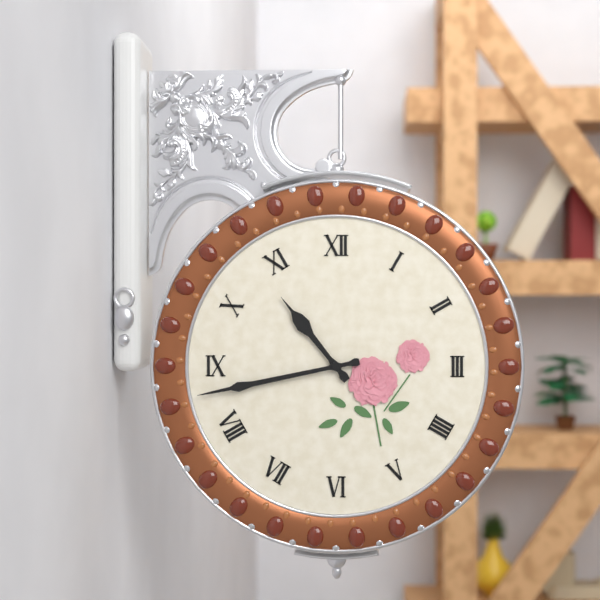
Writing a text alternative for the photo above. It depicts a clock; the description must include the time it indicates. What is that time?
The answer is 10:43
